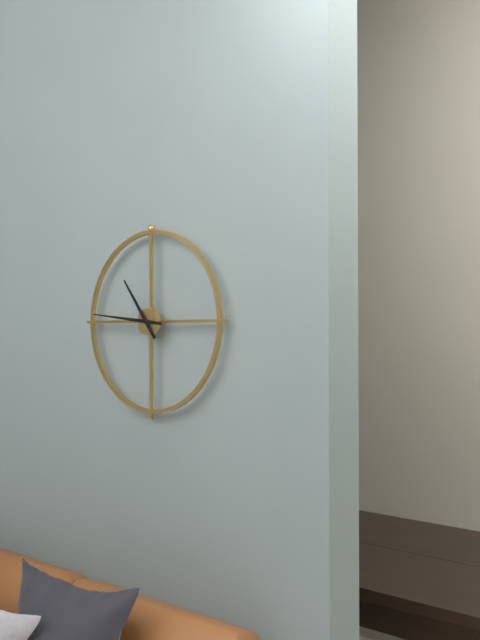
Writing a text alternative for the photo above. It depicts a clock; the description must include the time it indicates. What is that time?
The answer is 10:46
